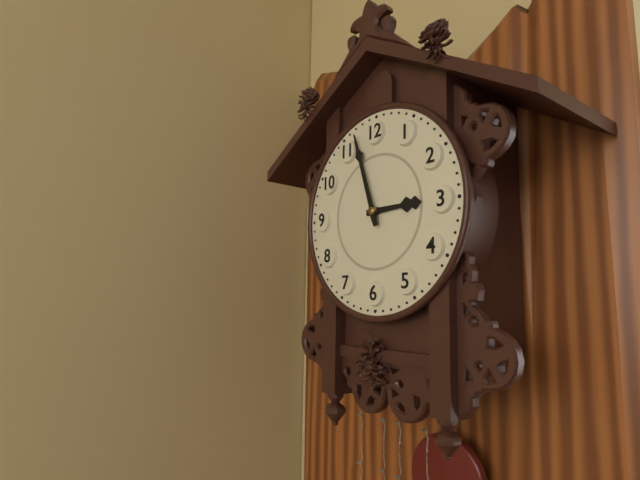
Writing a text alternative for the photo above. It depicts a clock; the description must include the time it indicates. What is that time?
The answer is 2:57
